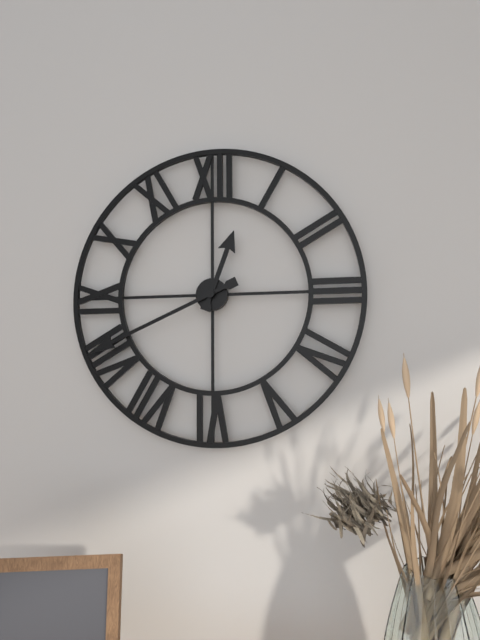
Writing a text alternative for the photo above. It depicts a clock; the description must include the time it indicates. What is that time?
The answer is 12:41
